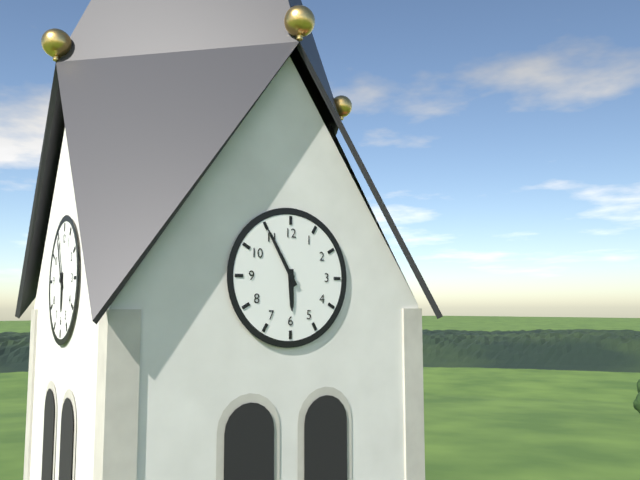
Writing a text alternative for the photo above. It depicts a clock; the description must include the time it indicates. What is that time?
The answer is 5:55
